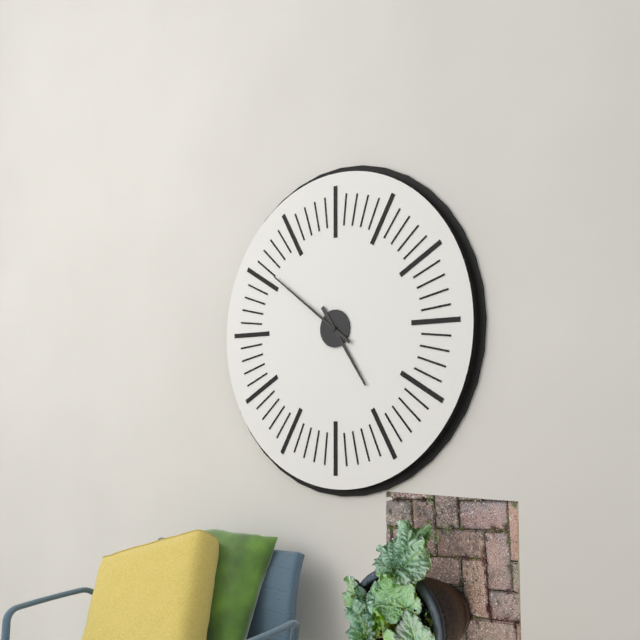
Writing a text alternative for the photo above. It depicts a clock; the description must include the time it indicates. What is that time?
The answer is 4:51
